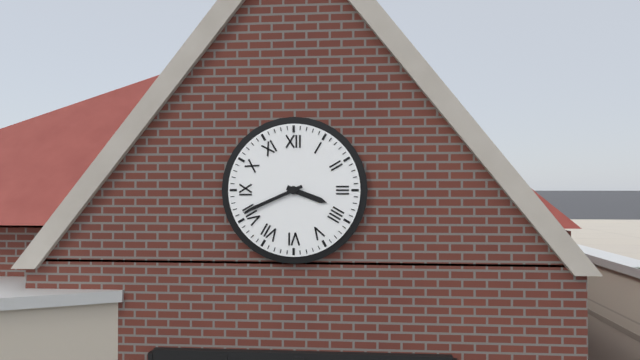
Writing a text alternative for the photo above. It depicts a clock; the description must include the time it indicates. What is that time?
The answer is 3:41
